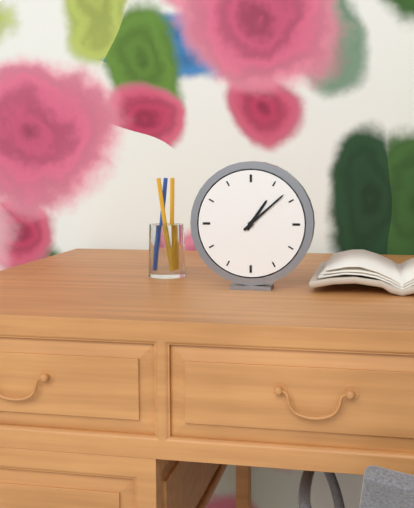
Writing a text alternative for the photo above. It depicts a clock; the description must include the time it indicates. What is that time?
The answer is 1:08
